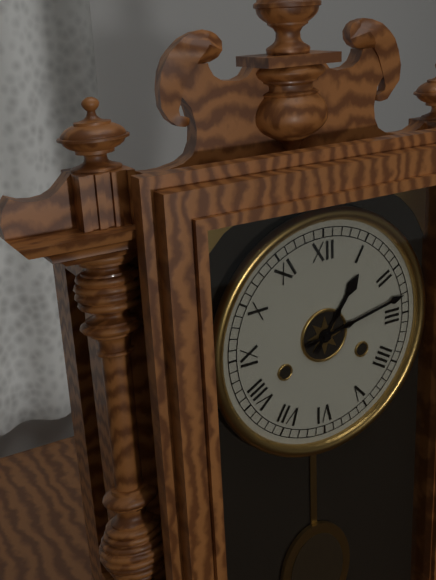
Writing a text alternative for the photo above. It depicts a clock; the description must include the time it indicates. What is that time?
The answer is 1:13
